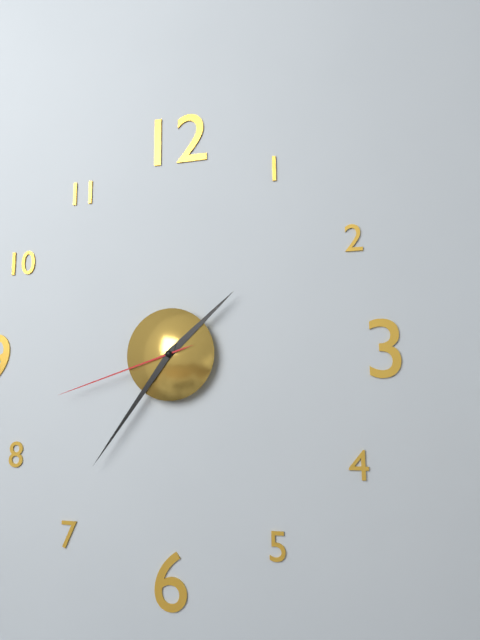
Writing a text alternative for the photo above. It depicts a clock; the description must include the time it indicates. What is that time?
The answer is 1:36:42
